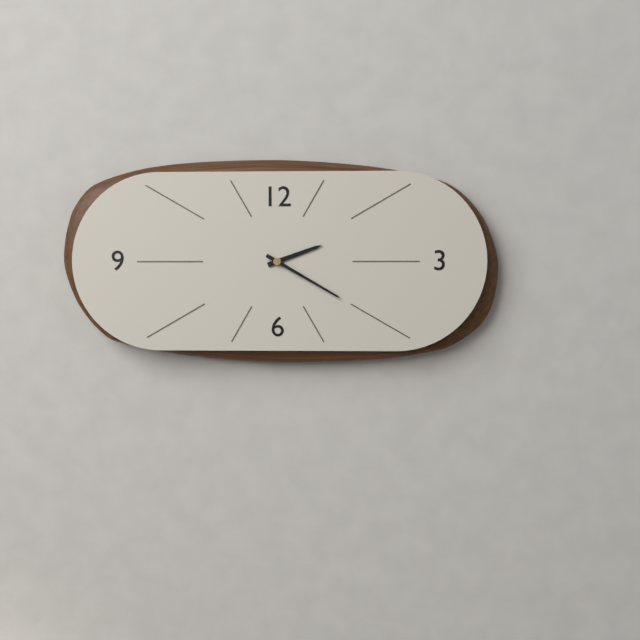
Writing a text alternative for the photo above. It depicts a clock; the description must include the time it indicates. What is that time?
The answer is 2:20
